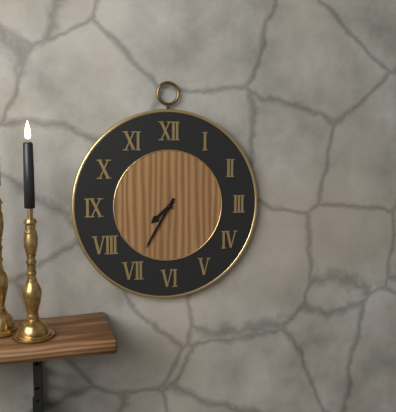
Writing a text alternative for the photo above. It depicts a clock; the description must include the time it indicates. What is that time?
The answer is 7:35
